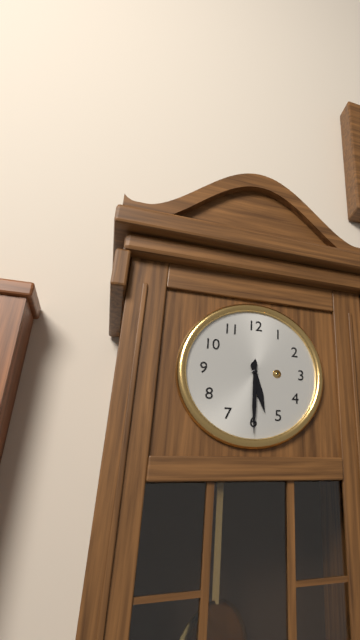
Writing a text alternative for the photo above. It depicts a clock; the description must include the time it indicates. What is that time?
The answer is 5:30
